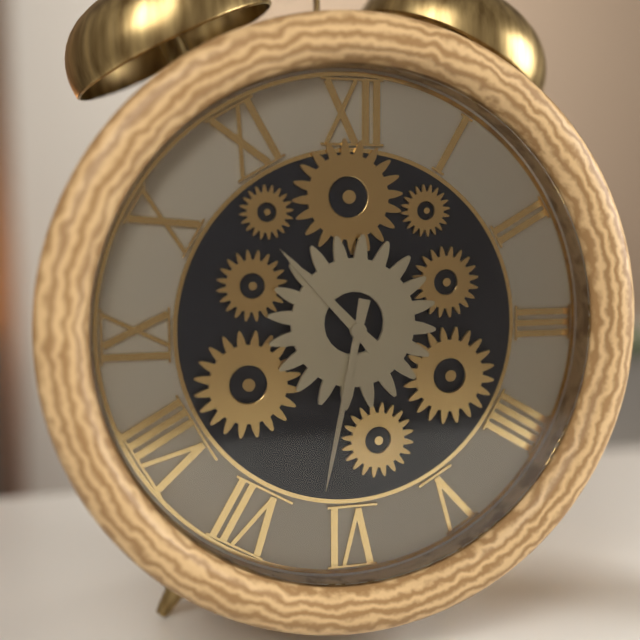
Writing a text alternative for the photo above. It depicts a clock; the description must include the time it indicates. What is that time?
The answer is 10:32
